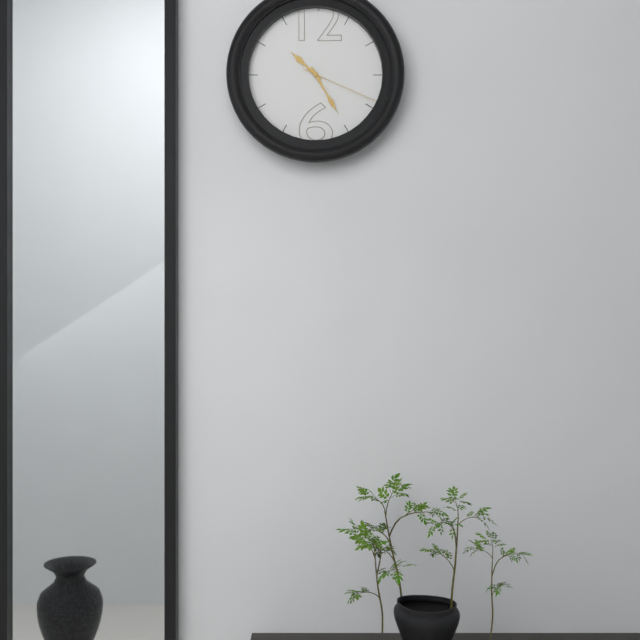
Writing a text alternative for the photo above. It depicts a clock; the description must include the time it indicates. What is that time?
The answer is 10:25:19
